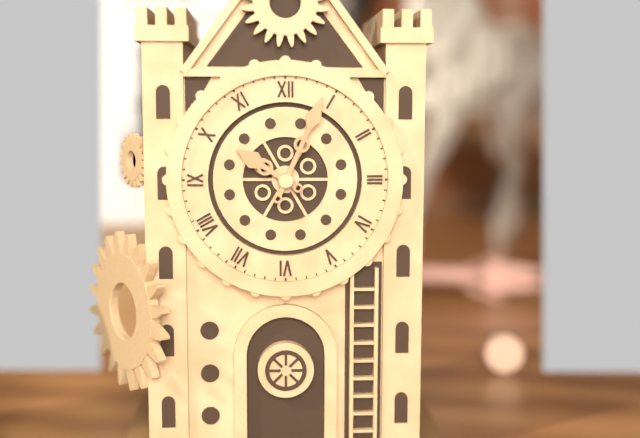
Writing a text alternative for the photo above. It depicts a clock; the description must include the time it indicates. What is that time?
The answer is 10:04
